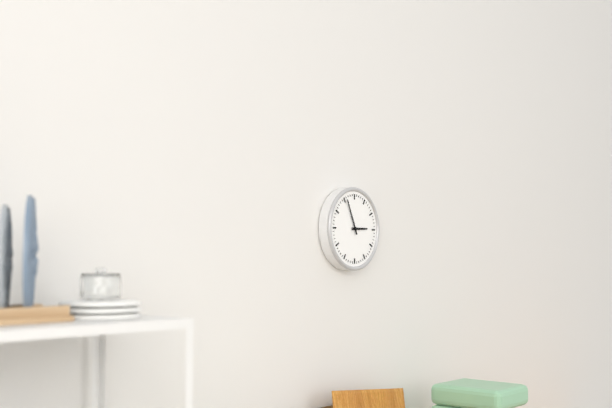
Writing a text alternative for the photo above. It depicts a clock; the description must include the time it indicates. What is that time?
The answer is 2:56
